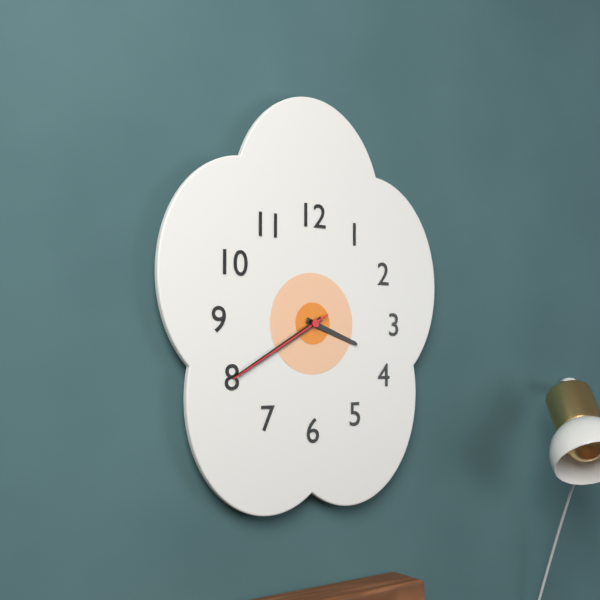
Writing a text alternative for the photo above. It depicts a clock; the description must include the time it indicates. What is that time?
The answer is 3:40:40
